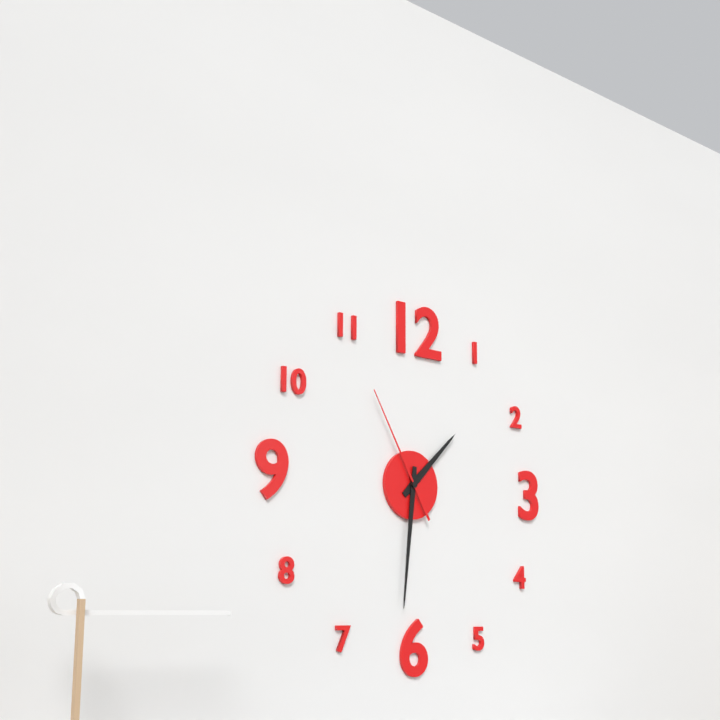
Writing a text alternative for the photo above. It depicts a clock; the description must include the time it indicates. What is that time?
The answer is 1:31:55
